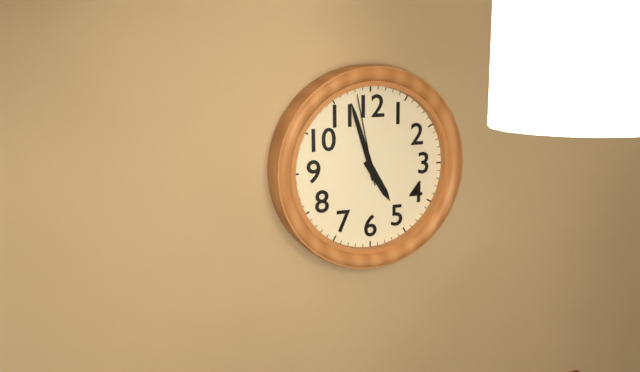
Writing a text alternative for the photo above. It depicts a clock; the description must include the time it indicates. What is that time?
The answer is 4:57:58
